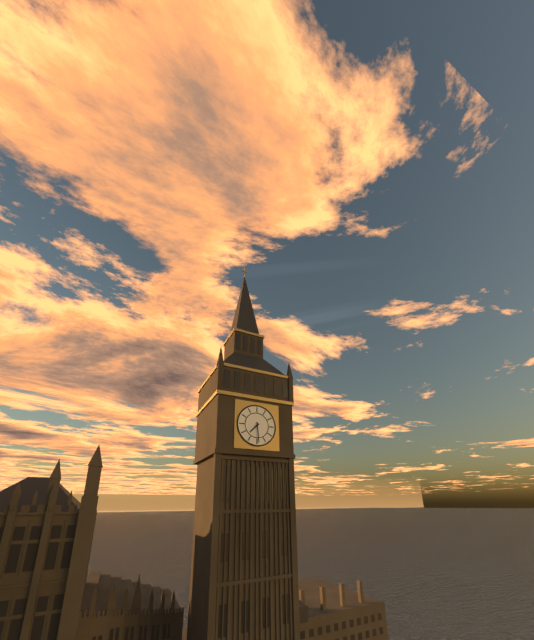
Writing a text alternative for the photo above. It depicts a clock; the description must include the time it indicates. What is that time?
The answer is 7:29
